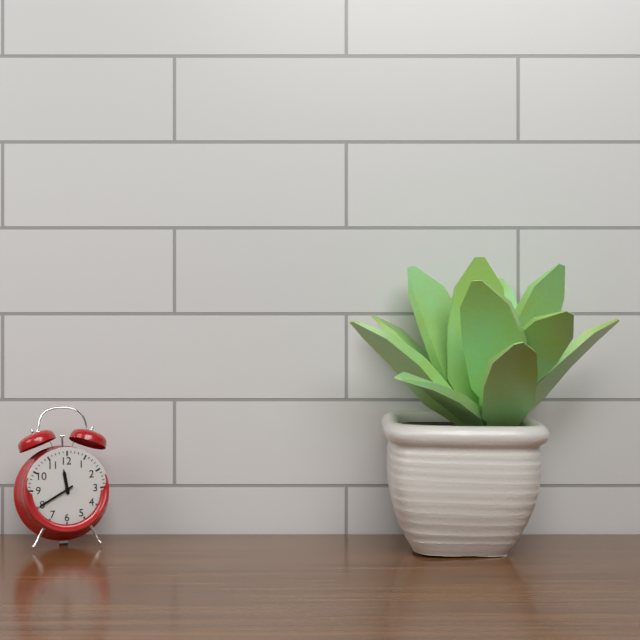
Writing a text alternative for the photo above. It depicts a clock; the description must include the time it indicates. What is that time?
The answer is 11:40
